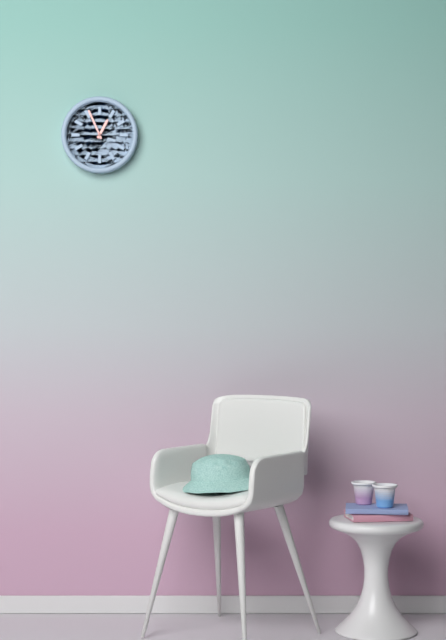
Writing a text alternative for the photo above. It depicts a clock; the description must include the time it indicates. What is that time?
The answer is 12:56
